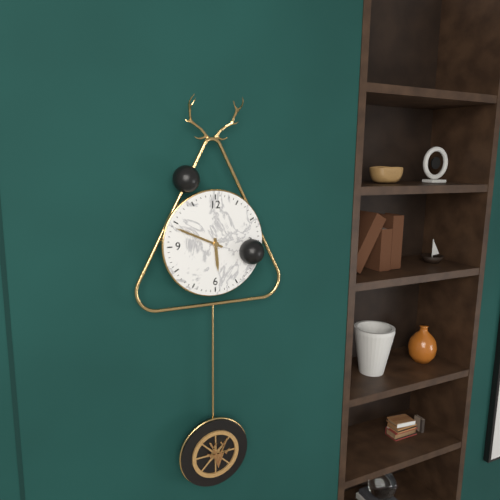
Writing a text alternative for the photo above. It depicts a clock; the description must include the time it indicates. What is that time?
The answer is 5:49
